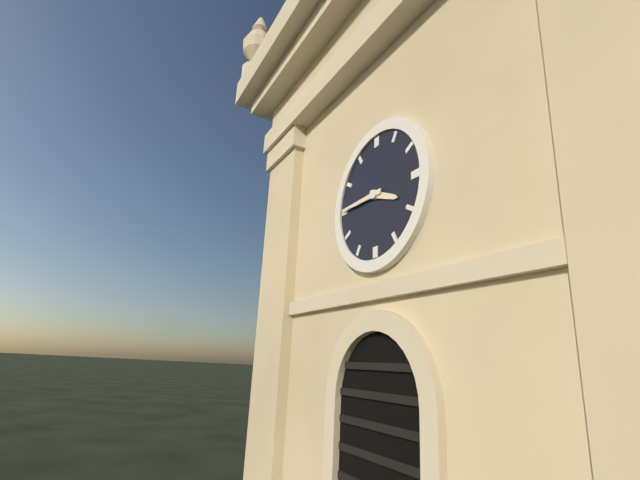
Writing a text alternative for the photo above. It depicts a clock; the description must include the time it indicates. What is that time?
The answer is 3:45
